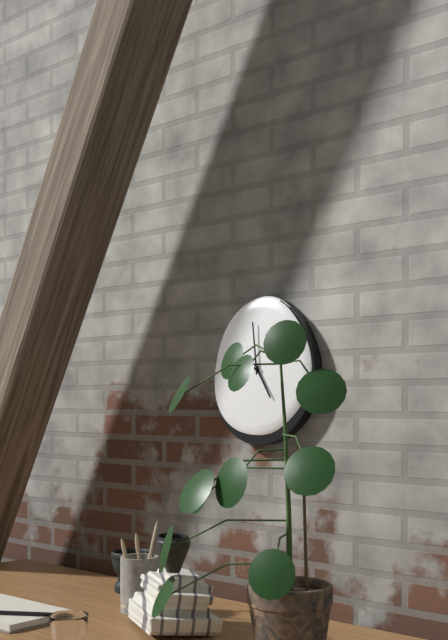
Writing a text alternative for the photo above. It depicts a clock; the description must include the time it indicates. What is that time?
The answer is 4:59
